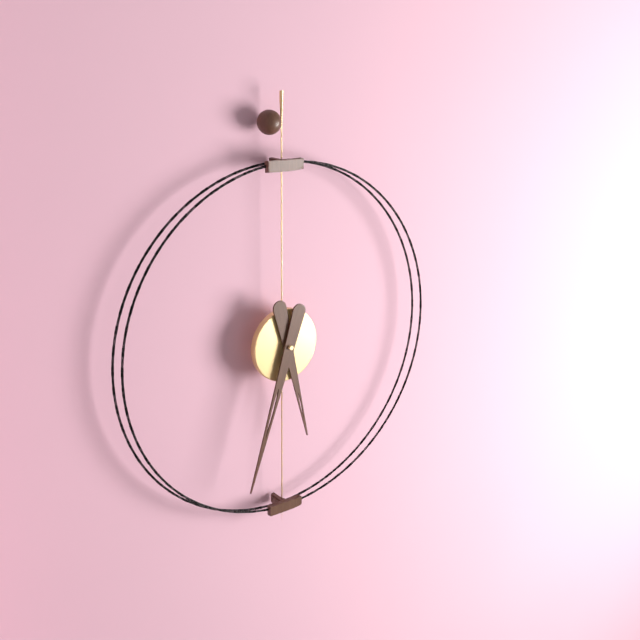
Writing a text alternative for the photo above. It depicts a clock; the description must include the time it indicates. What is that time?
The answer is 5:33
